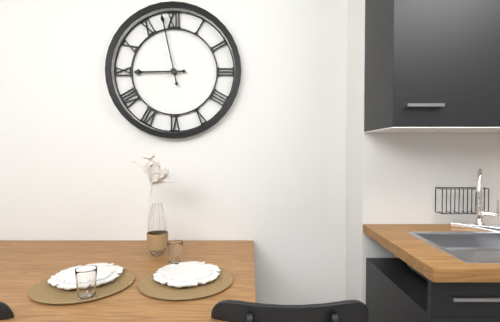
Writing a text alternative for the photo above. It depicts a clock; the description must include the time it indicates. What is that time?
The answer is 8:58
